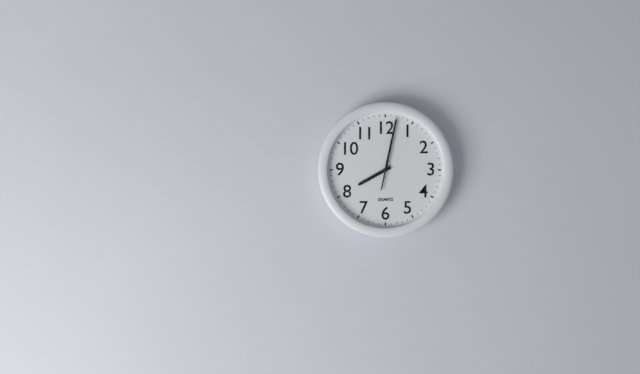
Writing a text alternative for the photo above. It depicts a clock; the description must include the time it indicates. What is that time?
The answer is 8:02
